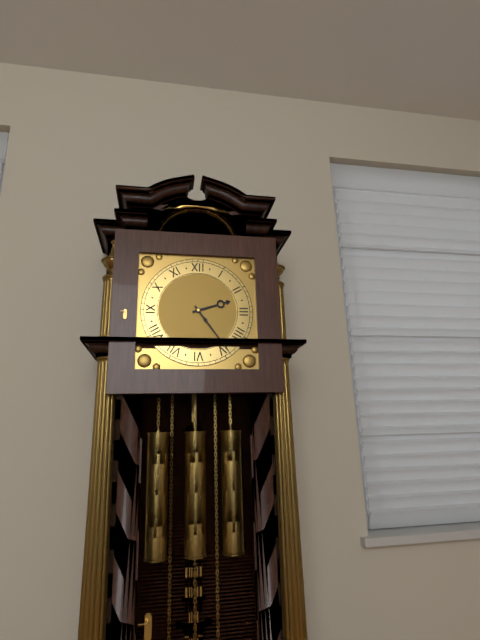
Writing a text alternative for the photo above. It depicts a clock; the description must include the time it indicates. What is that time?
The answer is 2:24
